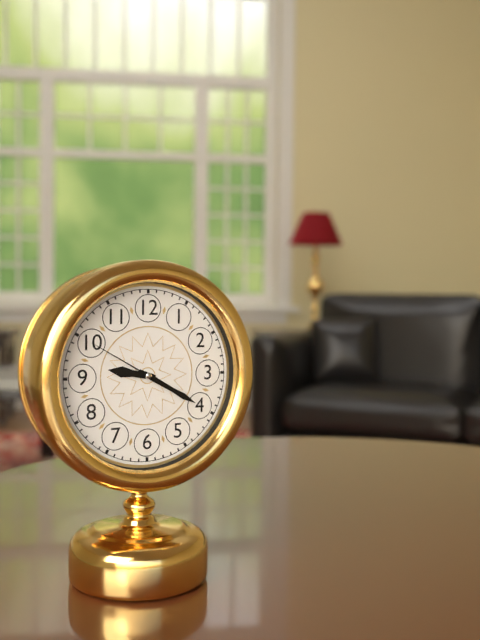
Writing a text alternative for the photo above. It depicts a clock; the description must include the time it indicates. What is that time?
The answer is 9:20:50
